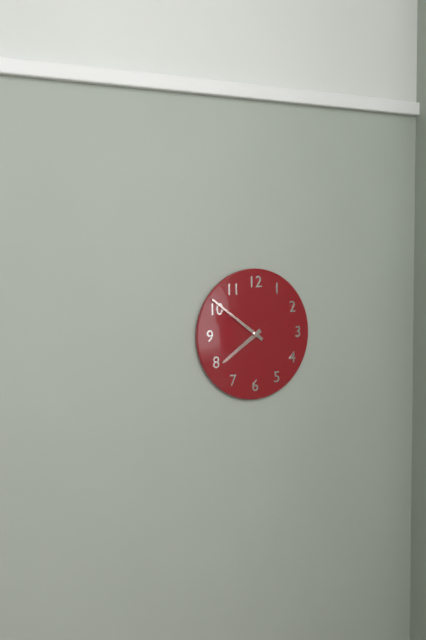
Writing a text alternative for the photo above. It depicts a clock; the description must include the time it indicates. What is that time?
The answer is 7:51
